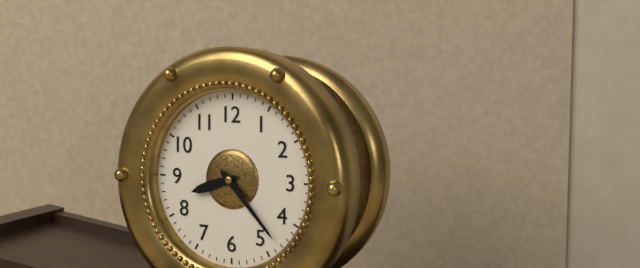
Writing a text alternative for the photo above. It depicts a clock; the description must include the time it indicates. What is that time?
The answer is 8:23
